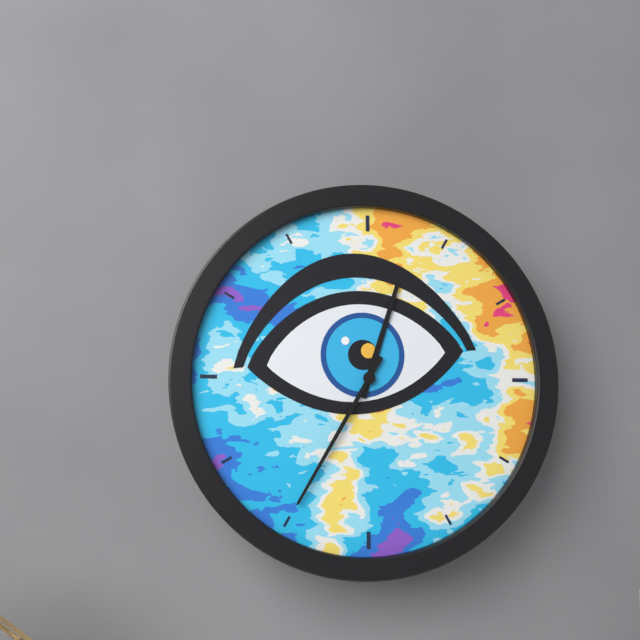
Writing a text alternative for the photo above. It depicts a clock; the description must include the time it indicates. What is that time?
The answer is 12:35
